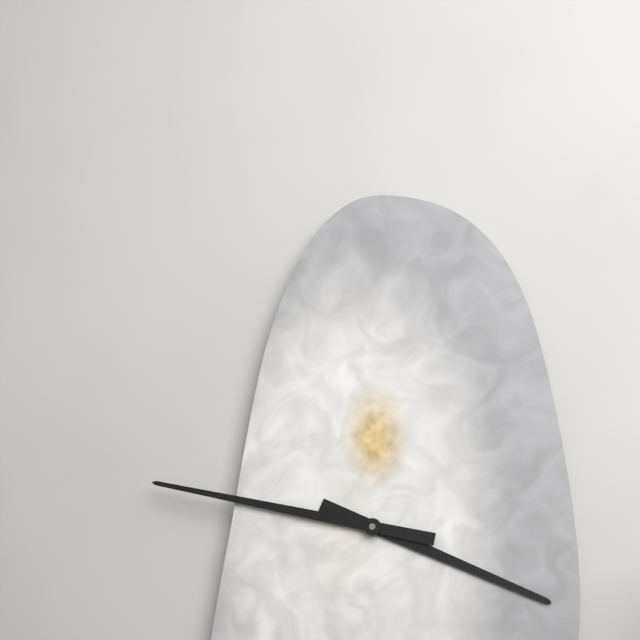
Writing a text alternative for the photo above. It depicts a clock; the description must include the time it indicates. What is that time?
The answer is 3:47
